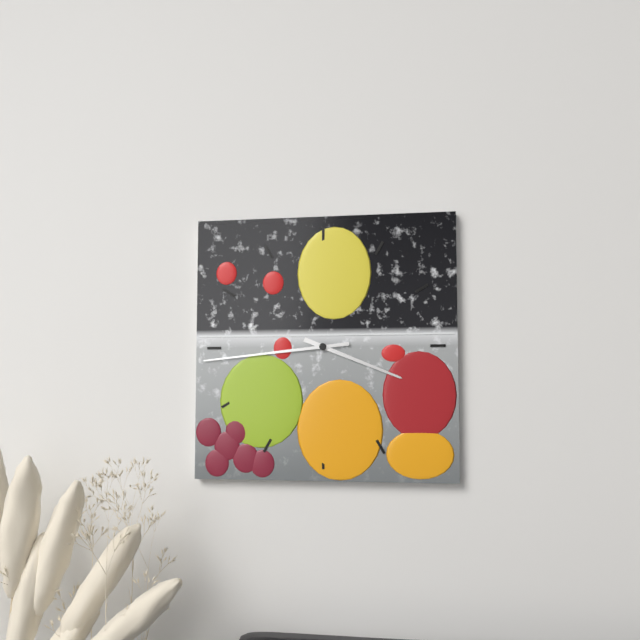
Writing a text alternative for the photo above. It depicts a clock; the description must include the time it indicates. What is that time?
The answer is 3:44
